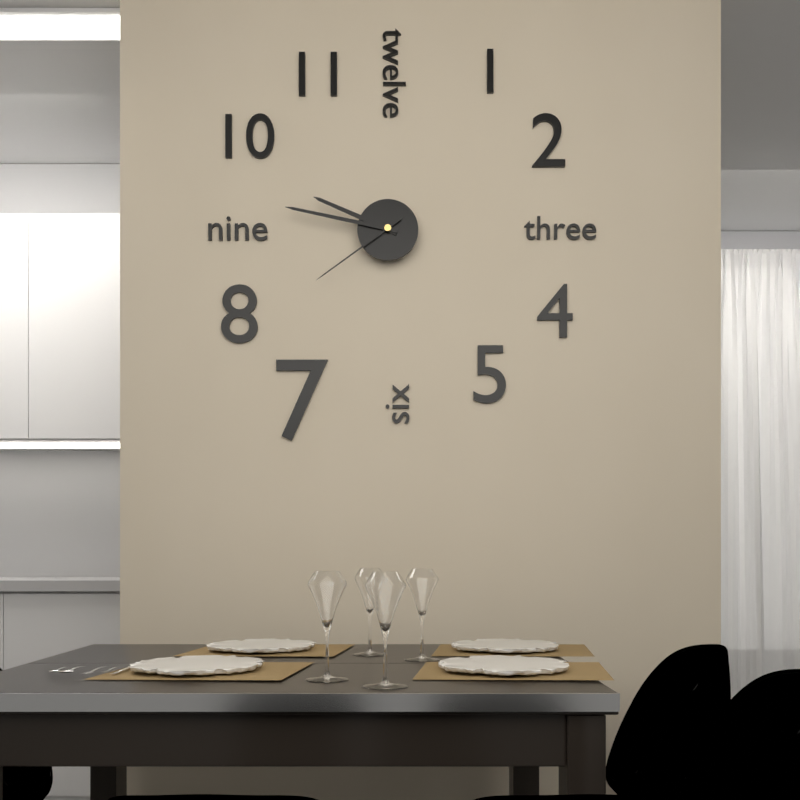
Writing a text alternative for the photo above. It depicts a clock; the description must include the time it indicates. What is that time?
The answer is 9:47:39
